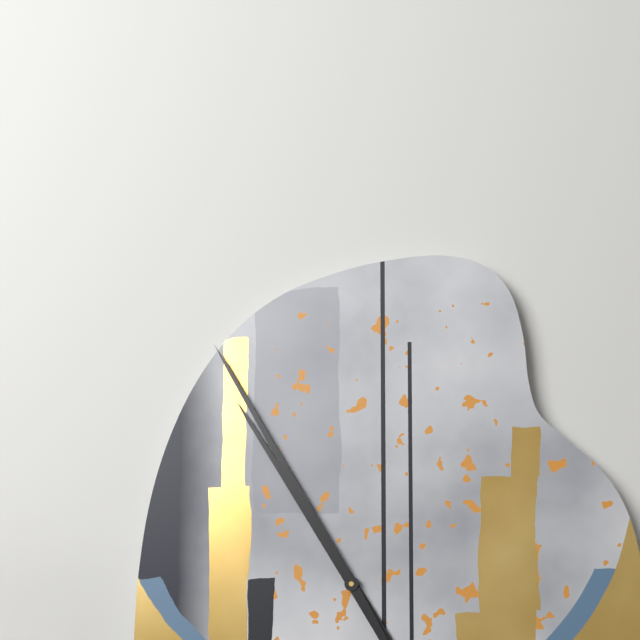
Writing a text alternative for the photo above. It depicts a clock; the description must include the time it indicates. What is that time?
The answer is 10:55
